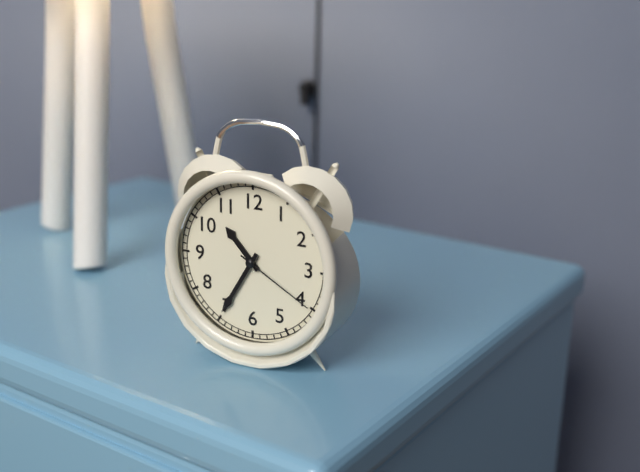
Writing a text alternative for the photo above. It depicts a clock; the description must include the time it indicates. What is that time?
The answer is 10:35:20
